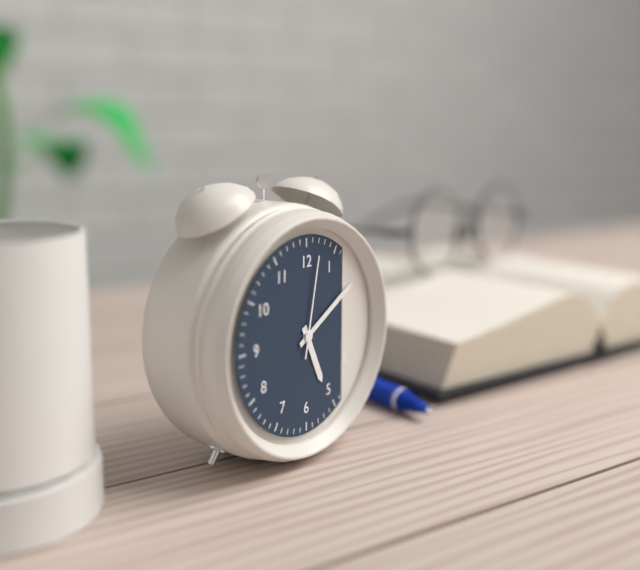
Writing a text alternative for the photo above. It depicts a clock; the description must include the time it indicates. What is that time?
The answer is 5:10:02
